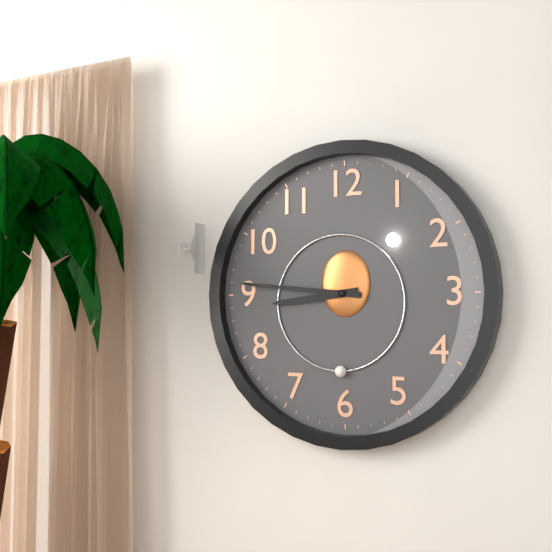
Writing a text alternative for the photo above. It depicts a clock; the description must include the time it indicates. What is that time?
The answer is 8:46
